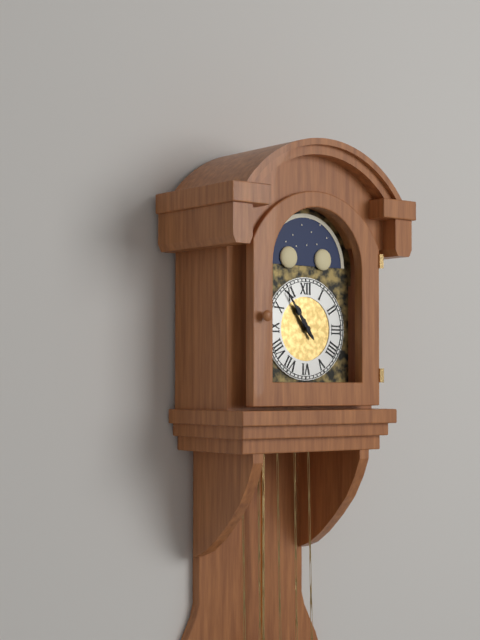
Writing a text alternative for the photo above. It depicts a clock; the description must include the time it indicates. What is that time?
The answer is 10:54
